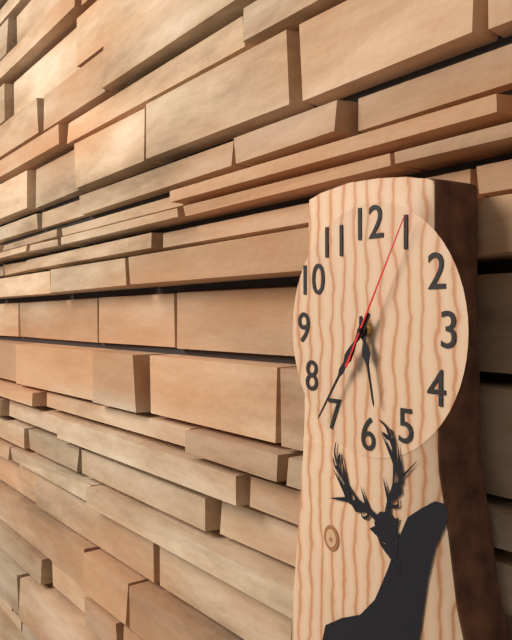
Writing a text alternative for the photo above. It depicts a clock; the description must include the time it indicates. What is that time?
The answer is 5:36:05
